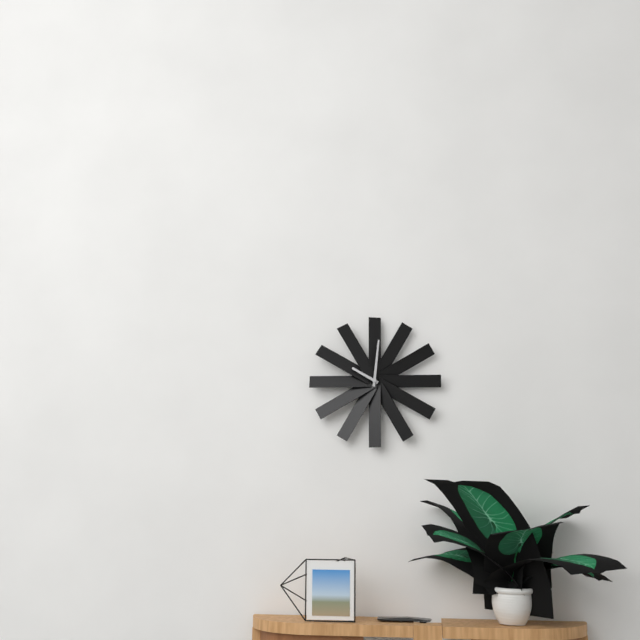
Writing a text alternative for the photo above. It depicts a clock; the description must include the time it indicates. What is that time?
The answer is 10:01
